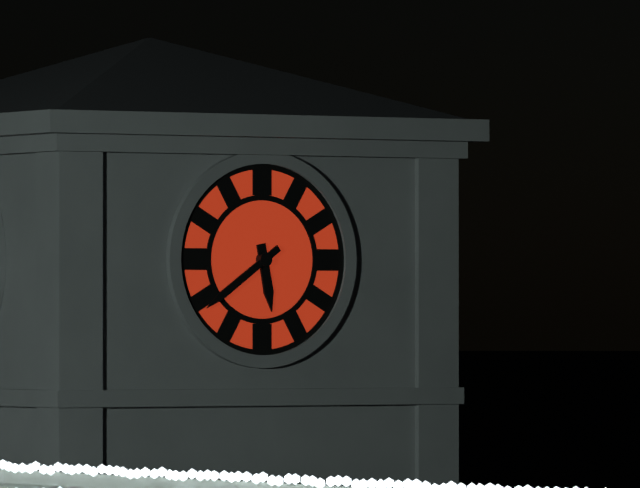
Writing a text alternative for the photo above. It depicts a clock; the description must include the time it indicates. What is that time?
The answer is 5:39
